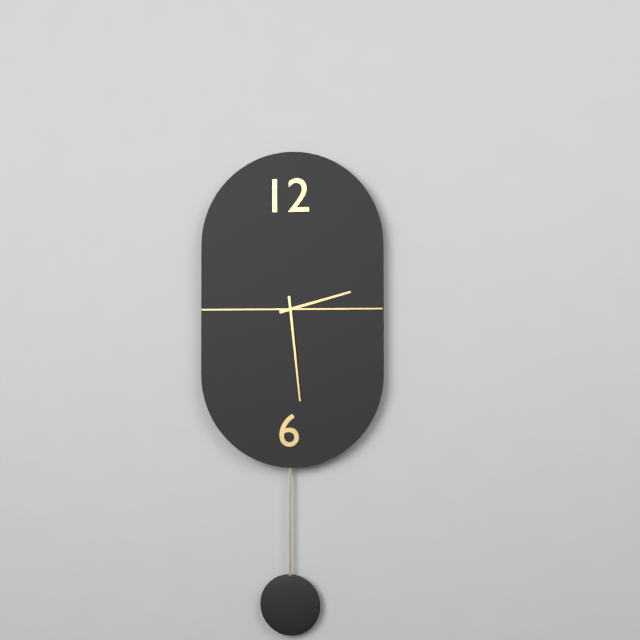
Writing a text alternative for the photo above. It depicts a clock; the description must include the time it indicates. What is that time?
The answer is 2:29
